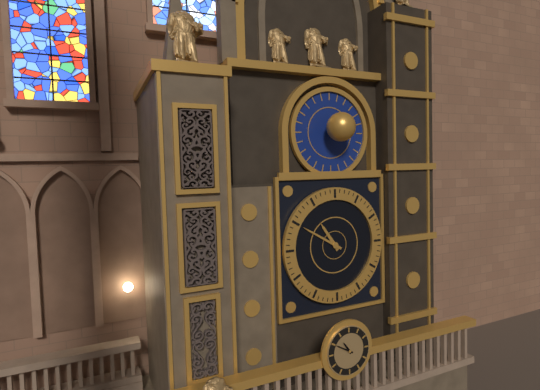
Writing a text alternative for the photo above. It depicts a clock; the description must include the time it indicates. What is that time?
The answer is 10:50
